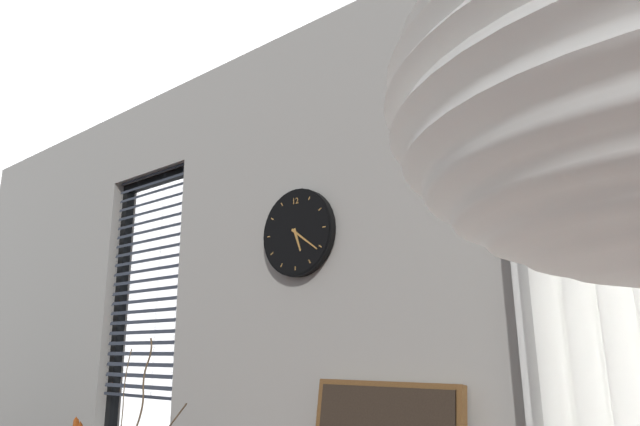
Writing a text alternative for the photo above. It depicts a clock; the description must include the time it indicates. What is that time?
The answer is 5:21
